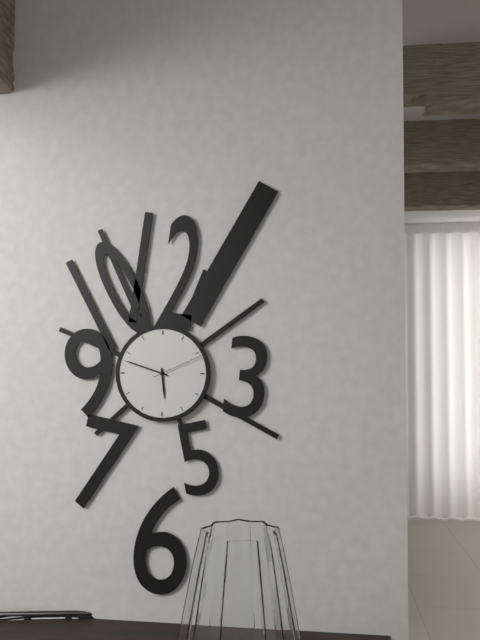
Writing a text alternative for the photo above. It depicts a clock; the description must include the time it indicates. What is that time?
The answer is 5:48:11
